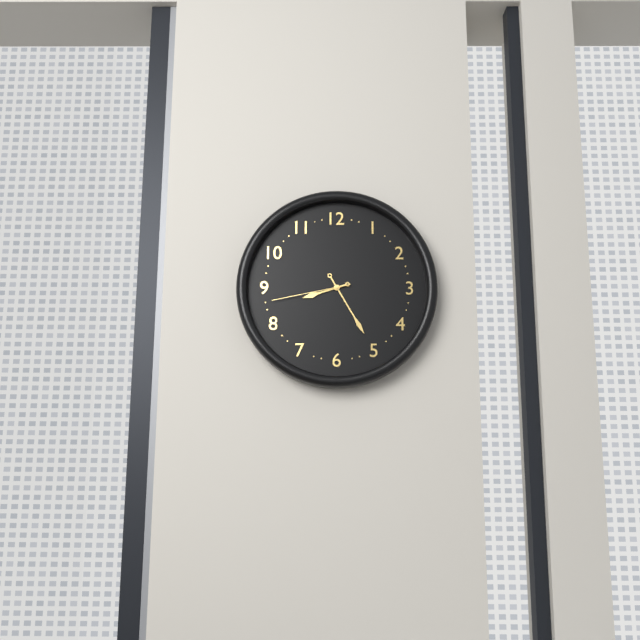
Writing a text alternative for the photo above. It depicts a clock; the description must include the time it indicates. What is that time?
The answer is 8:25:43
